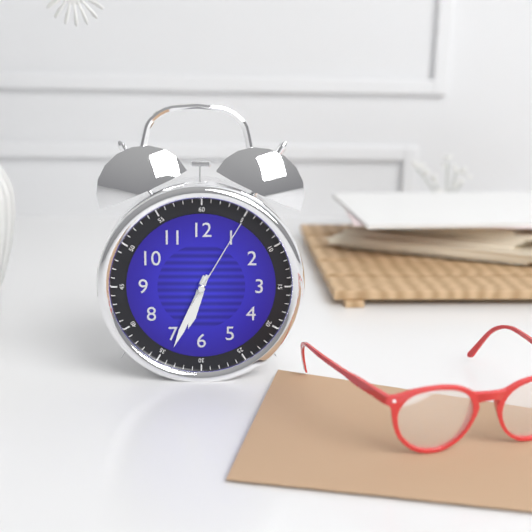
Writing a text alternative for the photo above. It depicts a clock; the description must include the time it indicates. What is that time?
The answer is 6:34:05
